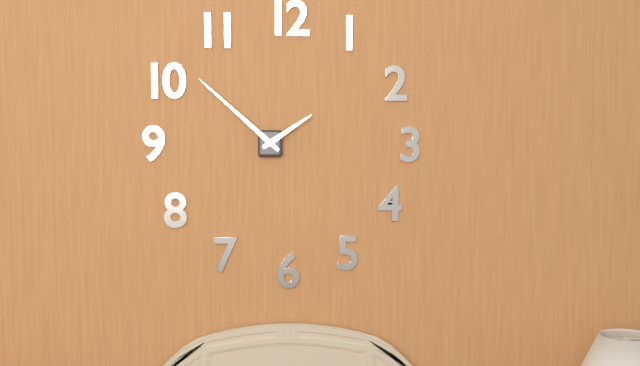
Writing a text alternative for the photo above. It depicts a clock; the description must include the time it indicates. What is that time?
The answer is 1:52
